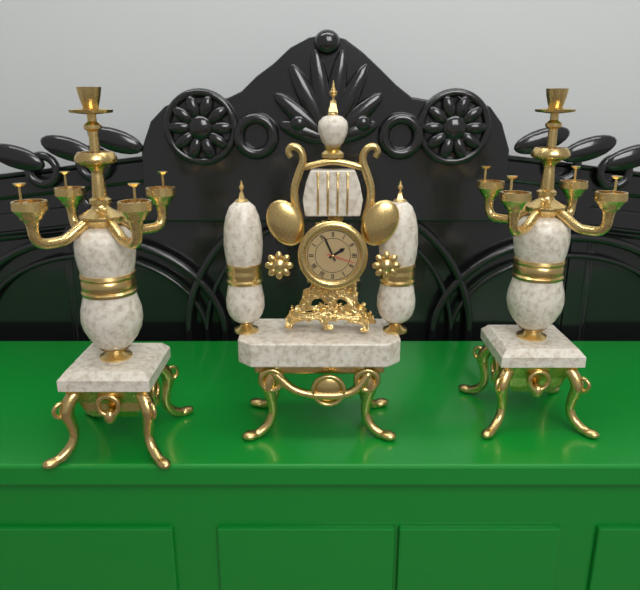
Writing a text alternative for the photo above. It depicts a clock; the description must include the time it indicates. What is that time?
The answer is 1:56
